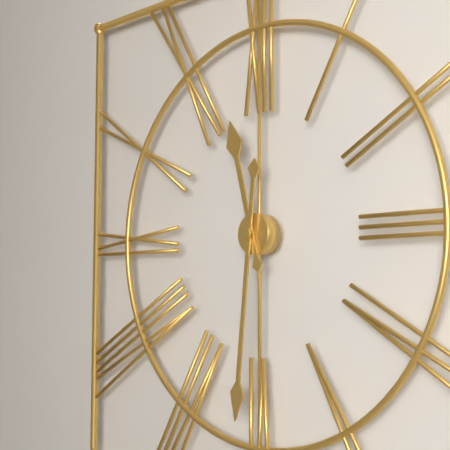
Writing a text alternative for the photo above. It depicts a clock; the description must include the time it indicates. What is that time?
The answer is 11:31
